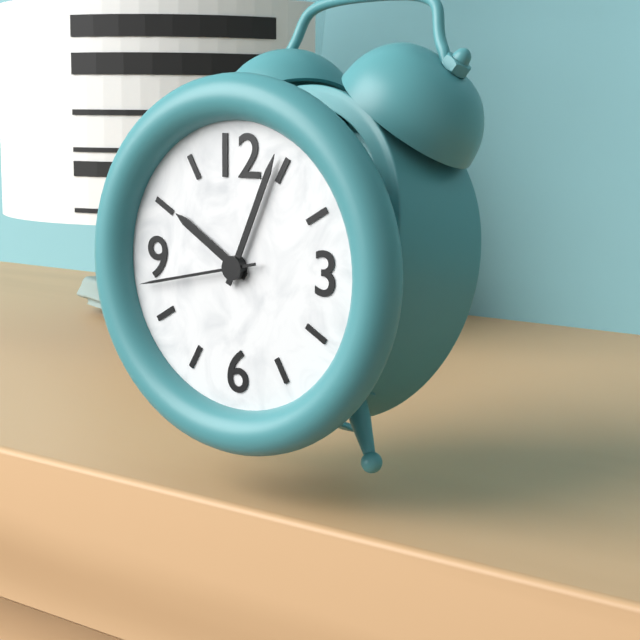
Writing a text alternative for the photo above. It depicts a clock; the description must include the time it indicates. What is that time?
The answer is 10:04:43
